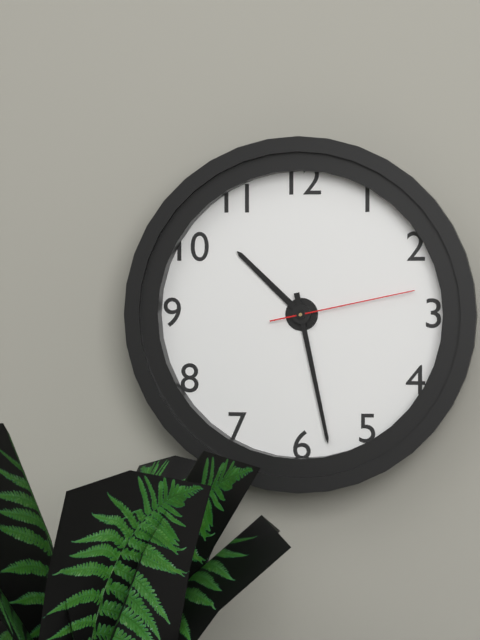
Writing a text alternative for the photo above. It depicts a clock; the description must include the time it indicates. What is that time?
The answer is 10:28:13
